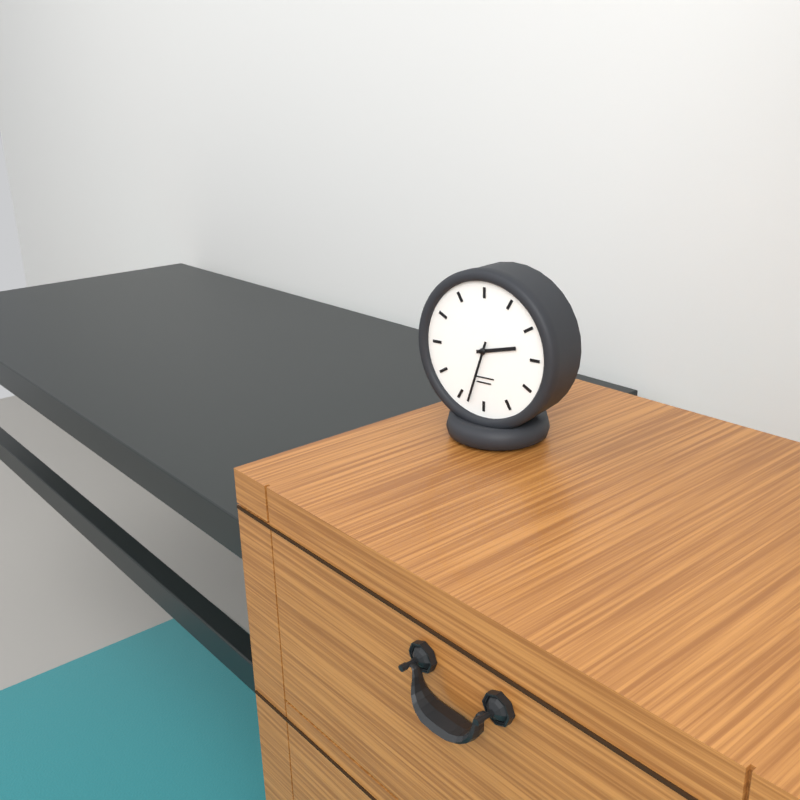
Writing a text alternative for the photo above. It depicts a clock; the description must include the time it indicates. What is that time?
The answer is 2:33
